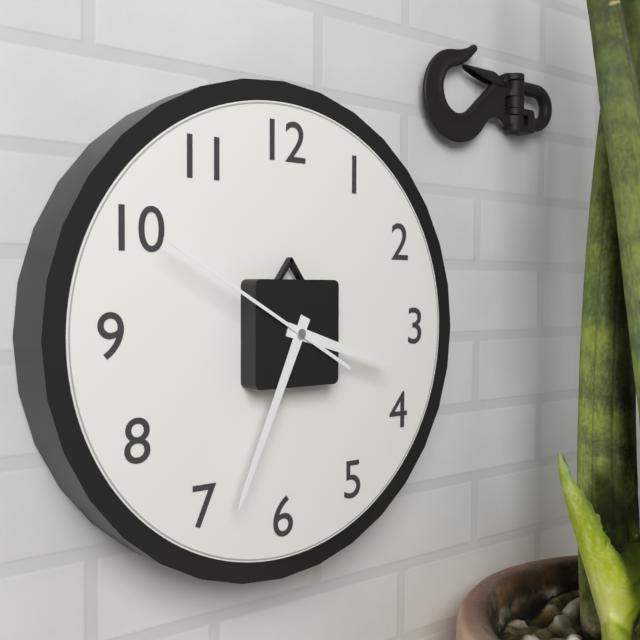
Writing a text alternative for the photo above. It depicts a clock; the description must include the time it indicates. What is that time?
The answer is 3:34:50
